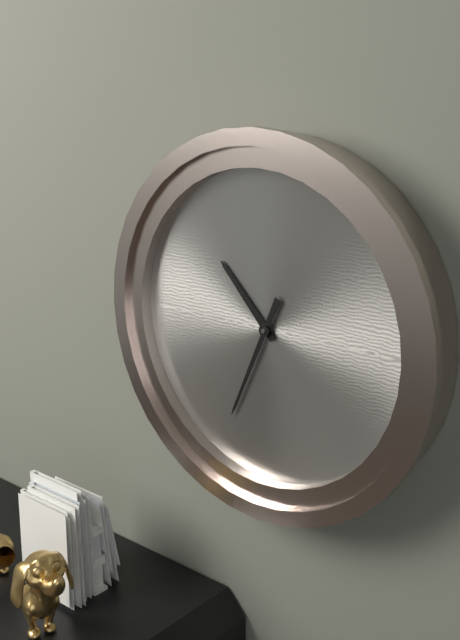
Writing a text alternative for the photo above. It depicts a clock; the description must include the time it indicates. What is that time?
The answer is 10:34
